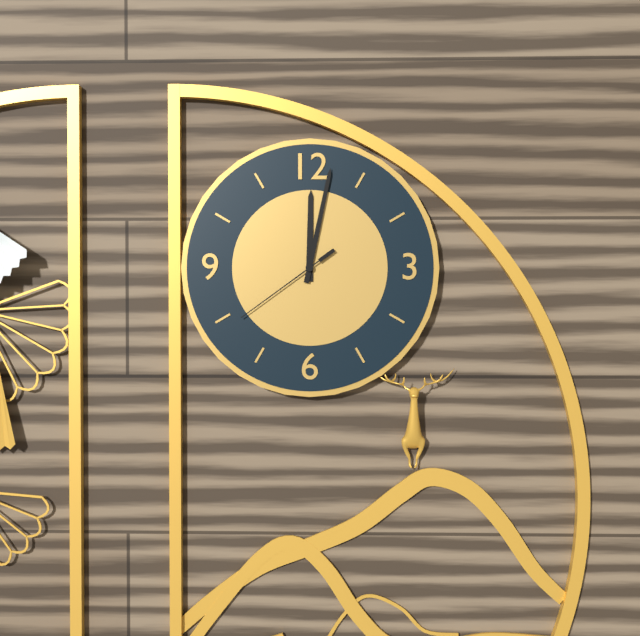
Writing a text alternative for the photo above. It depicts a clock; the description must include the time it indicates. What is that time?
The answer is 12:02:39
